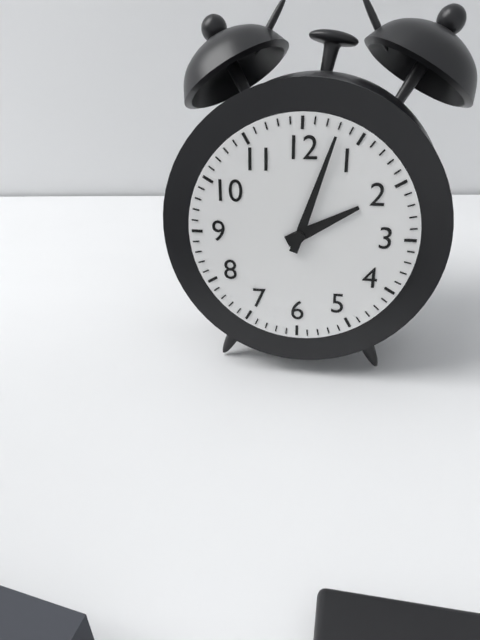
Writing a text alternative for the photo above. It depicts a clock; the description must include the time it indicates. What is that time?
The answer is 2:03
